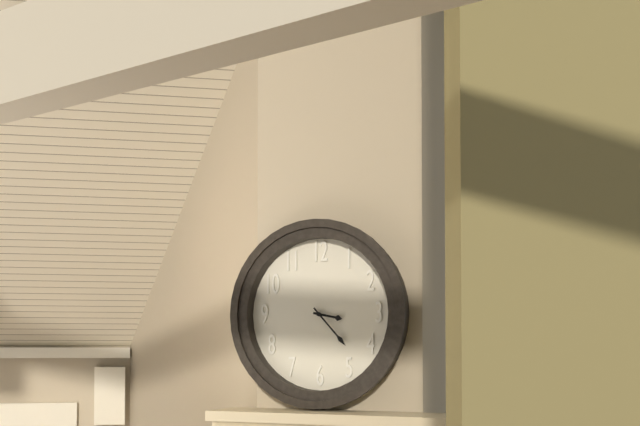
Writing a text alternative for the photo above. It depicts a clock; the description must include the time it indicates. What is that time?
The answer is 3:23
